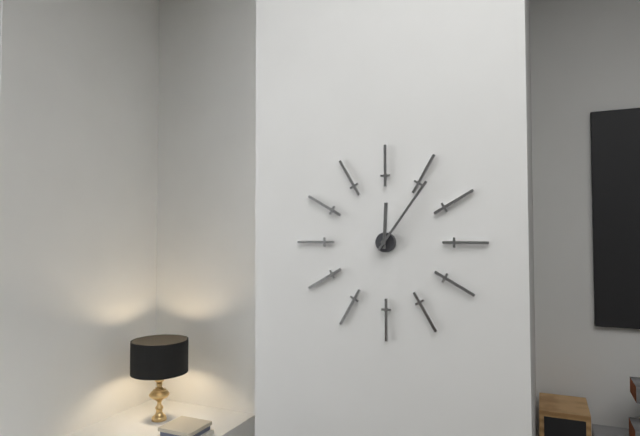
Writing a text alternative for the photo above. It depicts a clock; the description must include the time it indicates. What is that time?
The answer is 12:06
